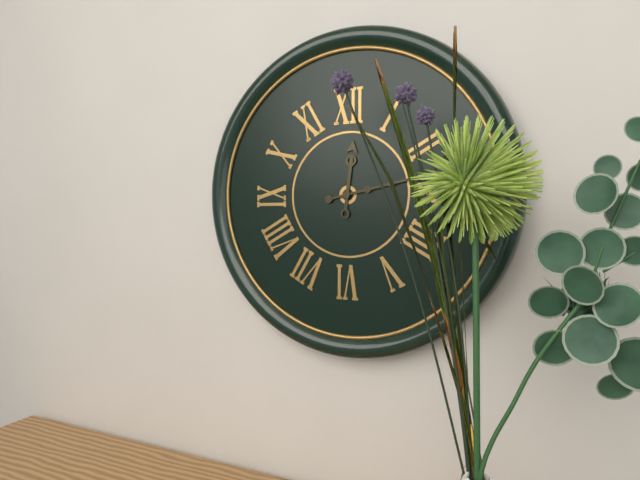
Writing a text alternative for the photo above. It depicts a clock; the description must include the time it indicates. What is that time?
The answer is 12:13
